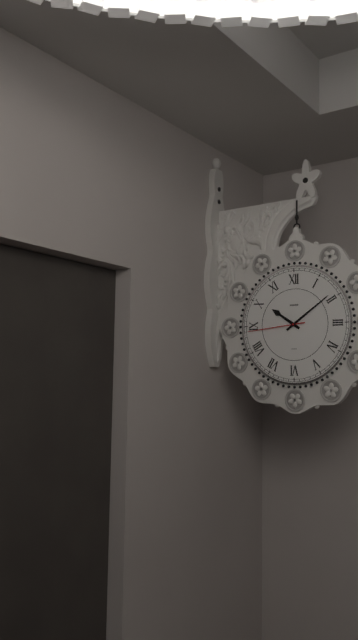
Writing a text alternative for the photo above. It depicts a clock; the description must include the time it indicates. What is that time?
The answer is 10:09:44
